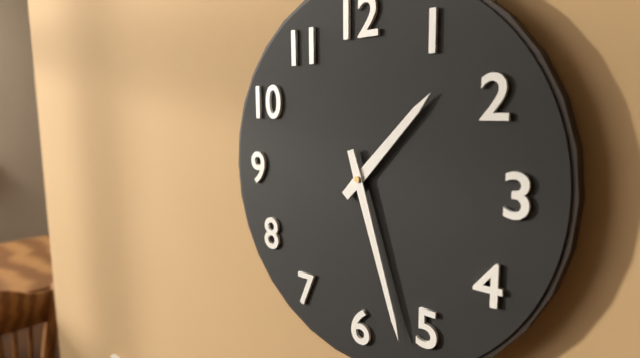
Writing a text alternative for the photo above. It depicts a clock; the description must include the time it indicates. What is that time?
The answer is 1:27
